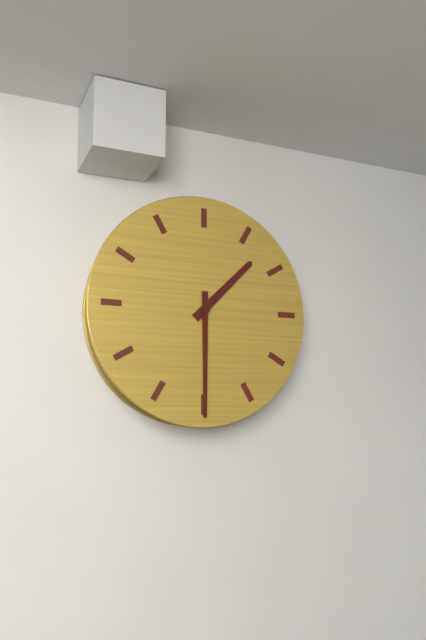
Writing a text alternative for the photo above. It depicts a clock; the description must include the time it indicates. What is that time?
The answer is 1:30
